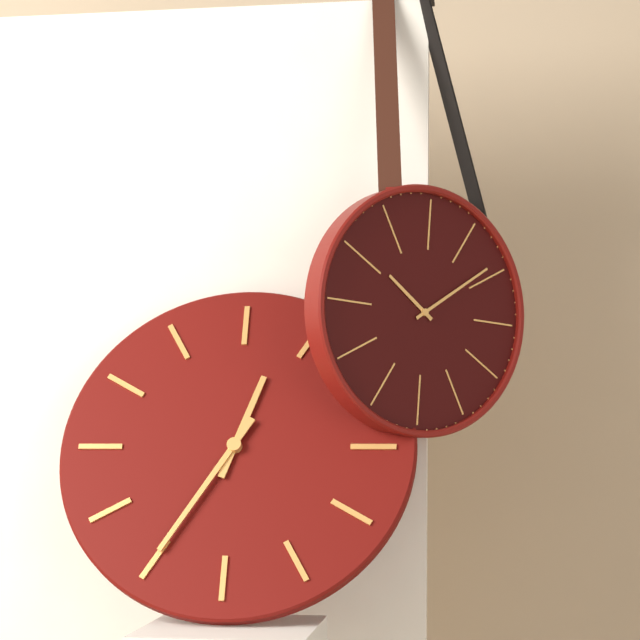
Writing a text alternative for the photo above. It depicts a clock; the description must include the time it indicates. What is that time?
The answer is 12:35
